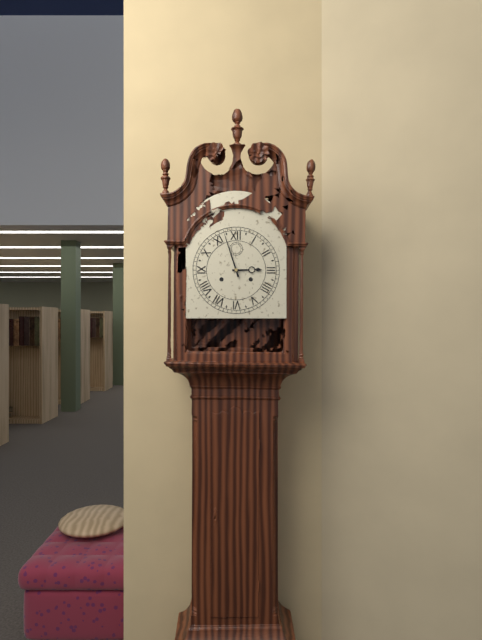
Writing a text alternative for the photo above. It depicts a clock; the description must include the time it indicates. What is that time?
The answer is 2:57
